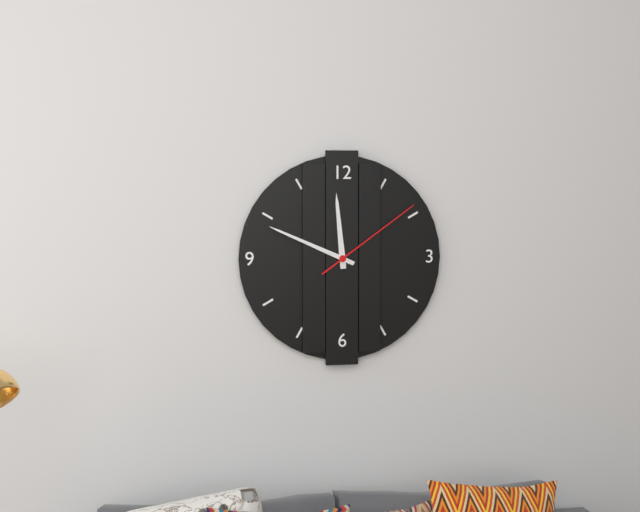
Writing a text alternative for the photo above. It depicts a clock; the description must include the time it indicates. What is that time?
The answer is 11:49:09
